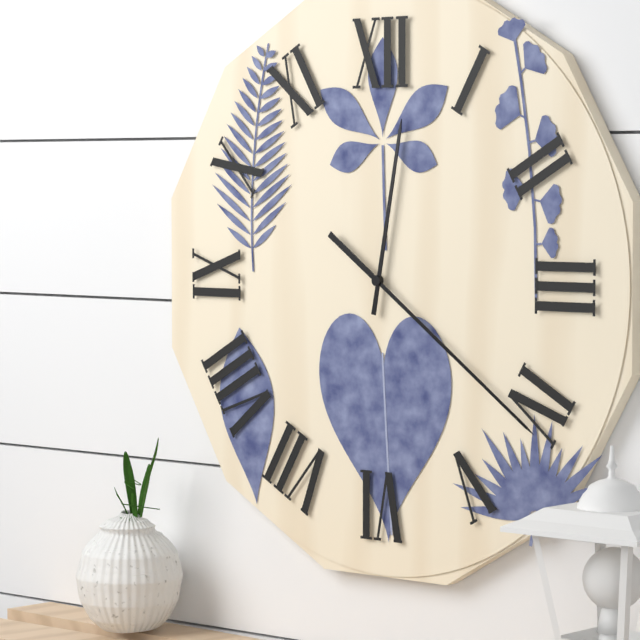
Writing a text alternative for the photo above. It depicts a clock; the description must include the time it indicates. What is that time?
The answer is 12:21
